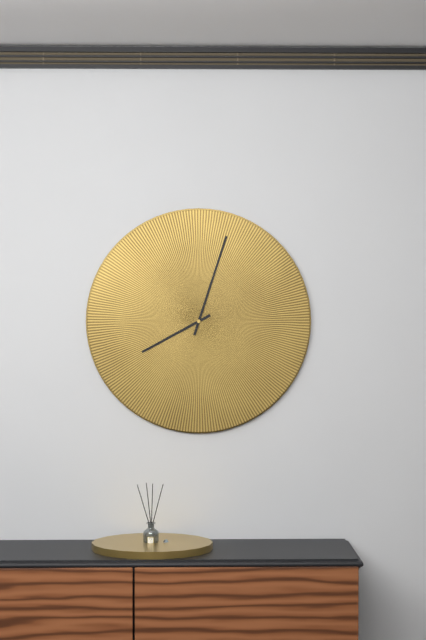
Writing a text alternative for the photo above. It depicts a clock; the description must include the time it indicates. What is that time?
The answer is 8:03
